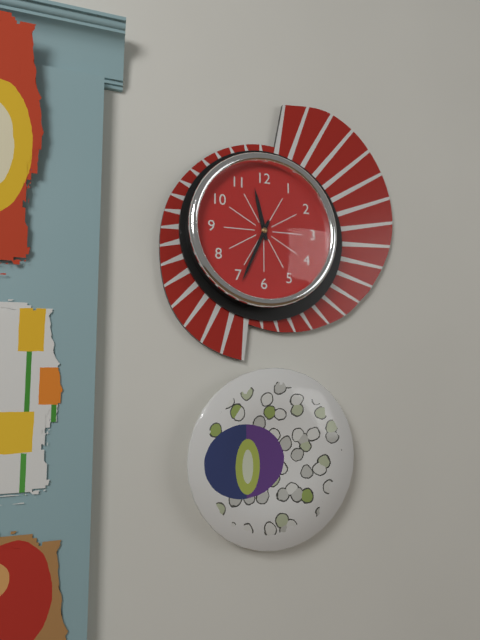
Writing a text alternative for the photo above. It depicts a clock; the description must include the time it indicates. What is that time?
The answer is 11:34
